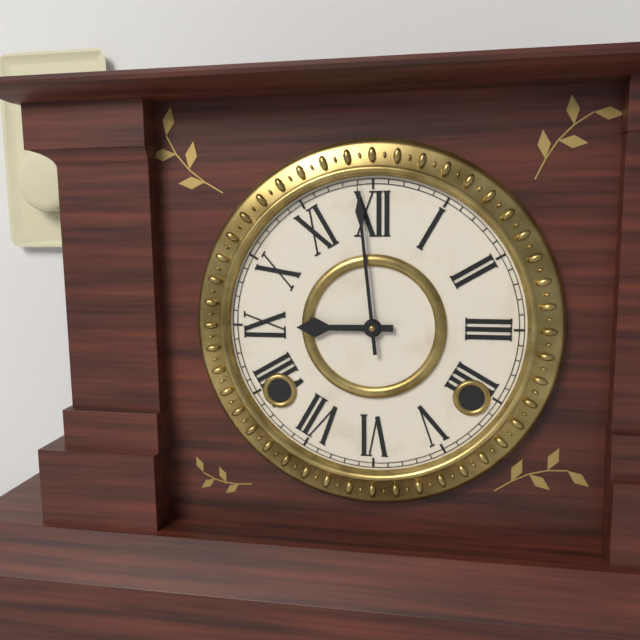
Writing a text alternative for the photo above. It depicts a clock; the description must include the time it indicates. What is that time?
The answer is 8:59
